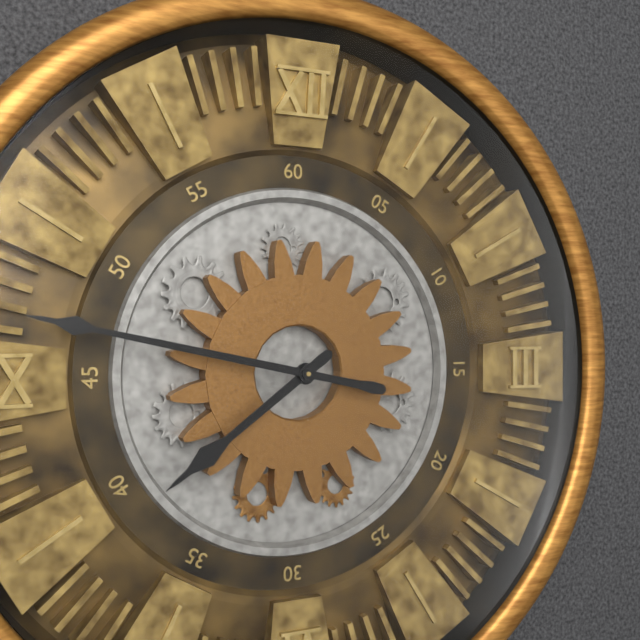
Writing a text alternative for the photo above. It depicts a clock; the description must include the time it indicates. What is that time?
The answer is 7:47
